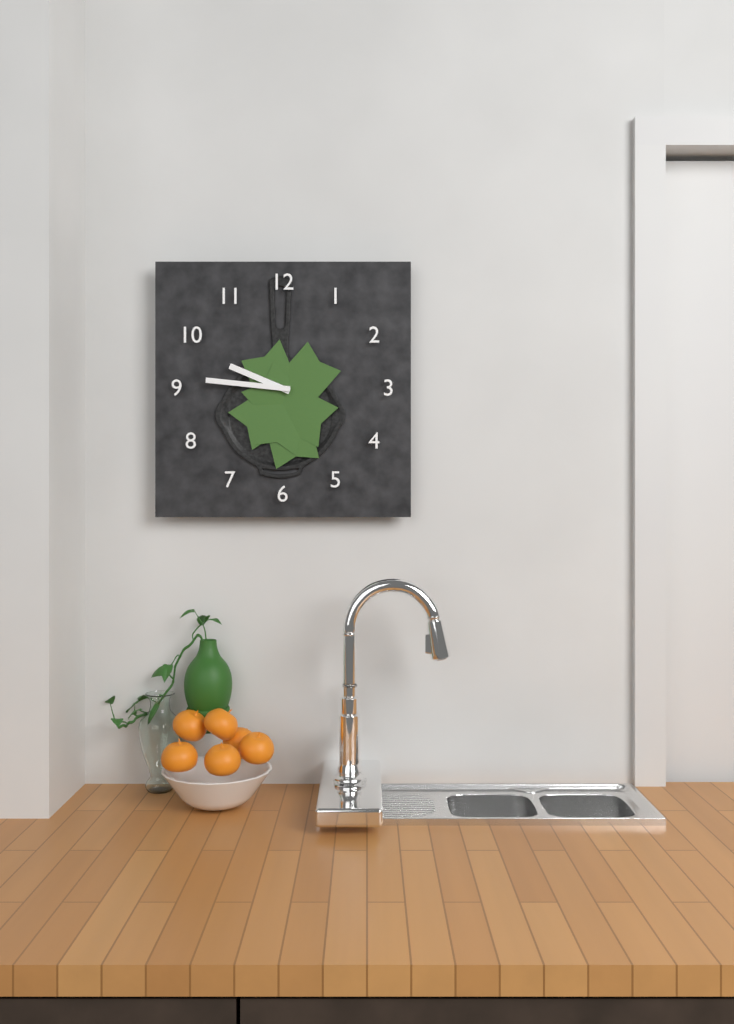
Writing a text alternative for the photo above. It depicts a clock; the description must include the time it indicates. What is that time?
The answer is 9:46
